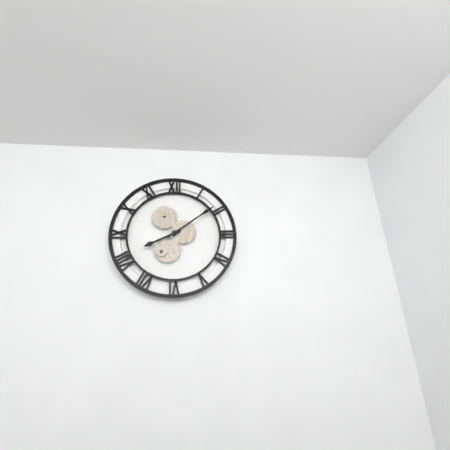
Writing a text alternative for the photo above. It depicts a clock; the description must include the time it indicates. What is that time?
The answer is 8:09
